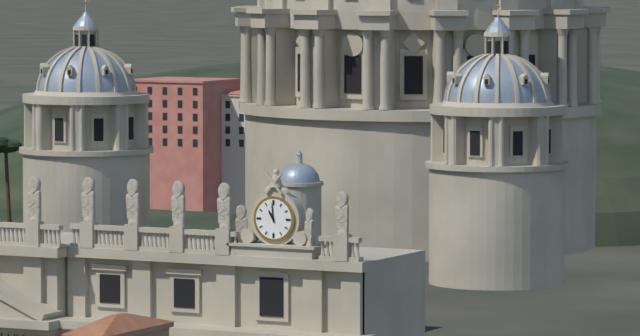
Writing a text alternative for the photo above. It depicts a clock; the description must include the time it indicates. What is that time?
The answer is 10:59
